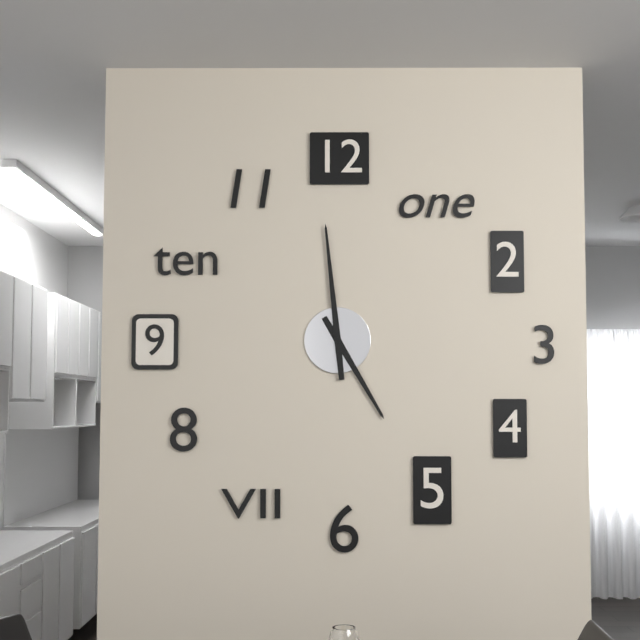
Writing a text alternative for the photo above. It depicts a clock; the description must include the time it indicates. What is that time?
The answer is 4:59
